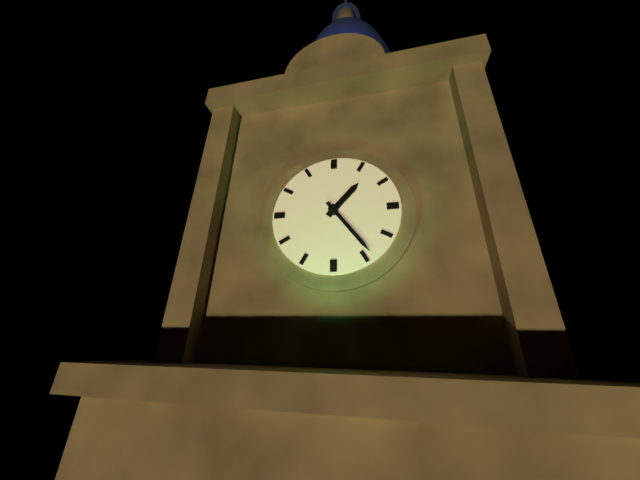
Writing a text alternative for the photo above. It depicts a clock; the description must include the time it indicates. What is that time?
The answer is 1:24
